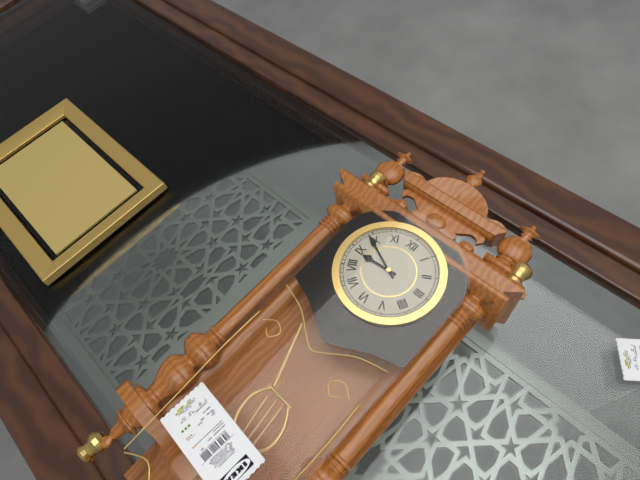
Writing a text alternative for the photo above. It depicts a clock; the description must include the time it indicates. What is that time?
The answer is 8:49
